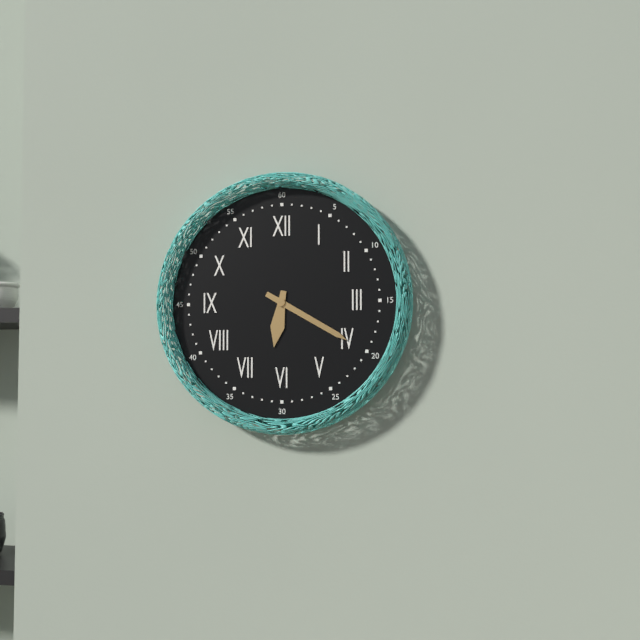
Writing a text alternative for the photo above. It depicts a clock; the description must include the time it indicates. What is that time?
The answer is 6:20
